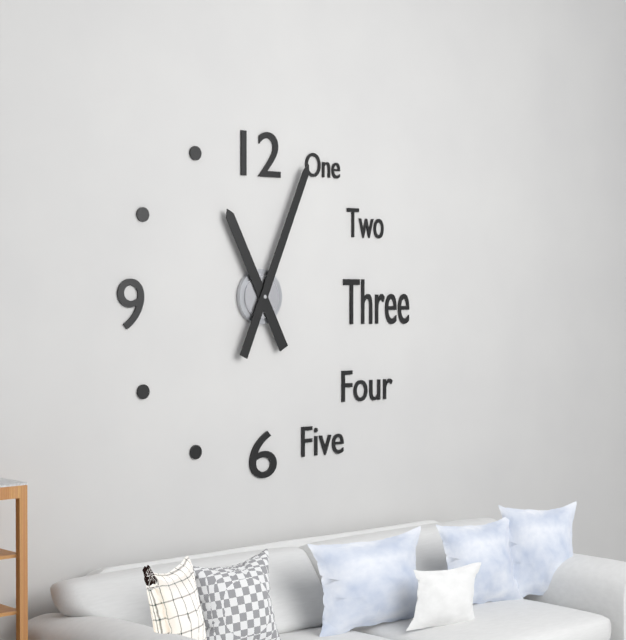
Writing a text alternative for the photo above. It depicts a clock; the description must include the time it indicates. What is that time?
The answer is 11:04
